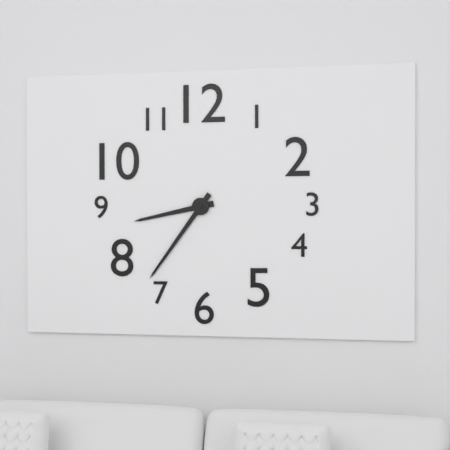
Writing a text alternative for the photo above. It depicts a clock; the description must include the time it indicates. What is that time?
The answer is 8:36
